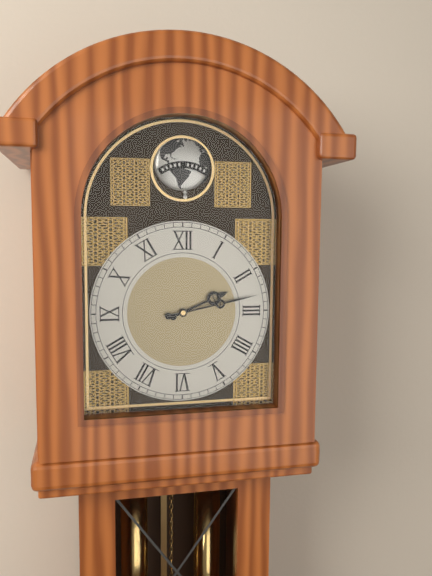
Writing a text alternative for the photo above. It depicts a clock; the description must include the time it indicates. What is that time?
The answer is 2:13
